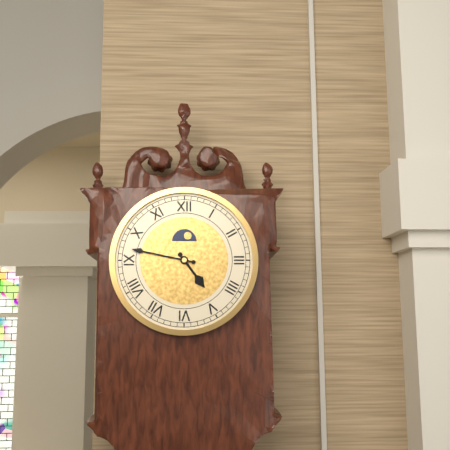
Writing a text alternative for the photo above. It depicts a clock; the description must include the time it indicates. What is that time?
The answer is 4:47
